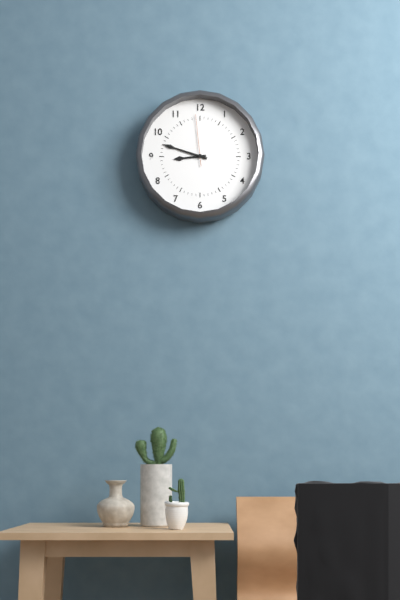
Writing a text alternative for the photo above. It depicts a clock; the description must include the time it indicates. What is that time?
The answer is 8:48:59
